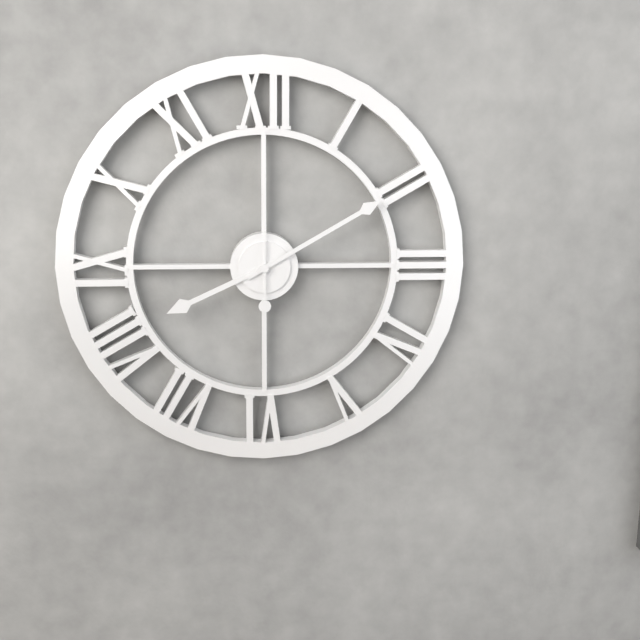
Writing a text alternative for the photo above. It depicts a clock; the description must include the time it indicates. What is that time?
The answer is 8:10:00
